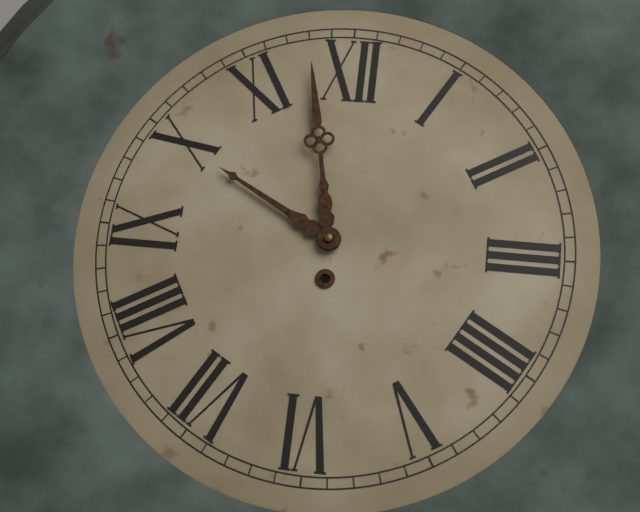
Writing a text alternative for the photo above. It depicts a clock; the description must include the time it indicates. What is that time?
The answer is 9:58
